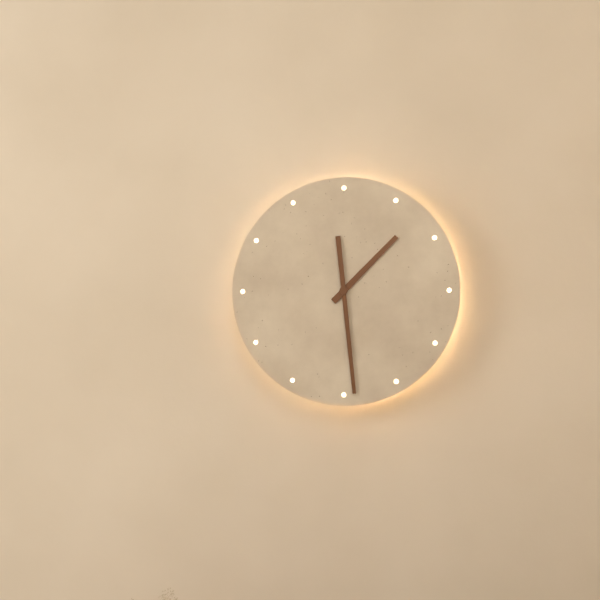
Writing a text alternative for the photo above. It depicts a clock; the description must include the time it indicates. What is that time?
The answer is 1:29
